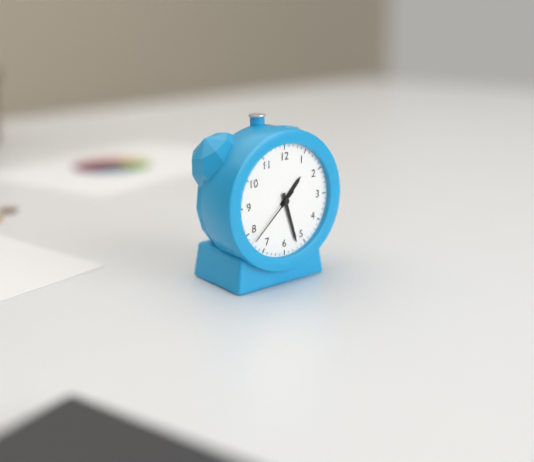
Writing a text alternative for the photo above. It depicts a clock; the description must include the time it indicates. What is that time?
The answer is 1:27:38
